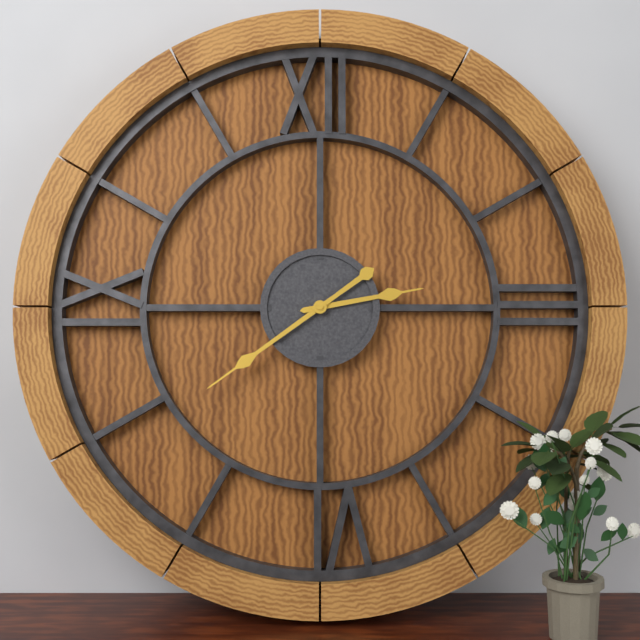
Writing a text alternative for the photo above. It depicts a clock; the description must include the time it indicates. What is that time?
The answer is 2:39
